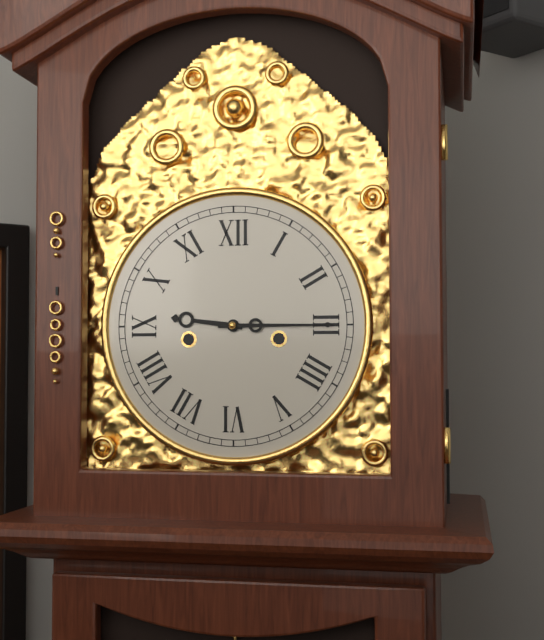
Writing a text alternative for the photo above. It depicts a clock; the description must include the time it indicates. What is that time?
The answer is 9:15
